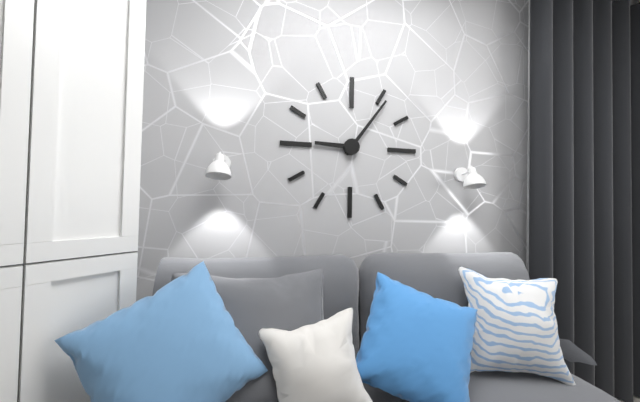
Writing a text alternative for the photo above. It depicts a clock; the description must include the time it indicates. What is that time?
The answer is 9:06
